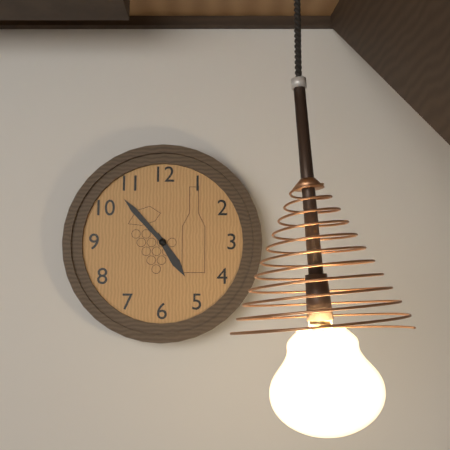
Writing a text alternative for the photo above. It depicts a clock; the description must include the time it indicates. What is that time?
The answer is 4:53
